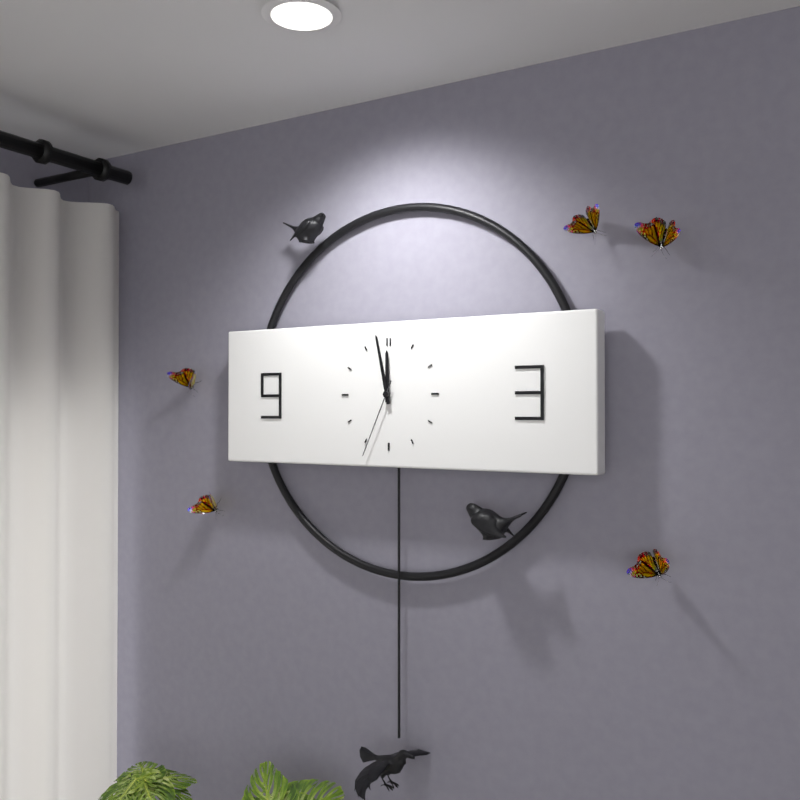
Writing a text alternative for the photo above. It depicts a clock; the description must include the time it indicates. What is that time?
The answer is 11:58:34
